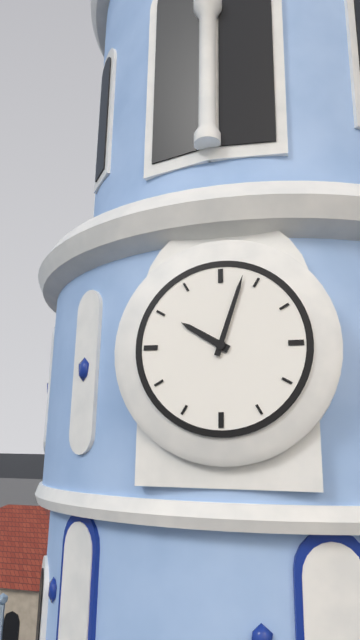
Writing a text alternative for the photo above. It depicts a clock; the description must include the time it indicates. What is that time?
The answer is 10:03
